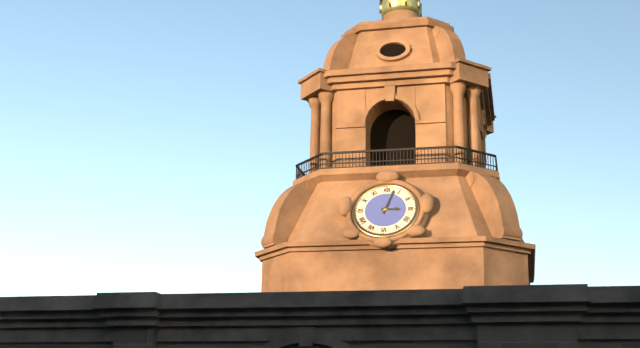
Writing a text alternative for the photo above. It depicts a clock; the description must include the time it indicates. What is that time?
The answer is 3:03
